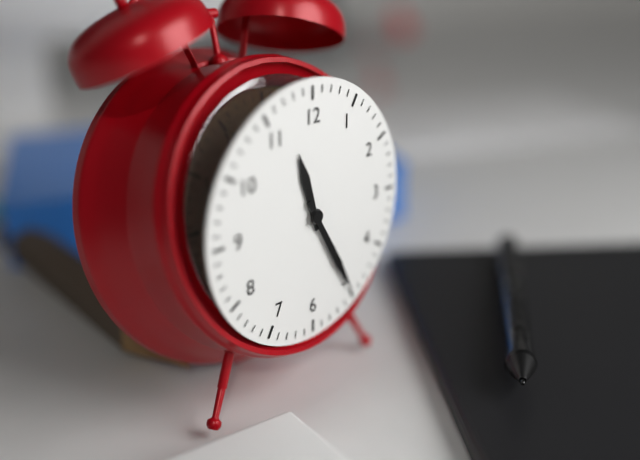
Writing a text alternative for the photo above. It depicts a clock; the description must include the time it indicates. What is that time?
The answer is 11:25
